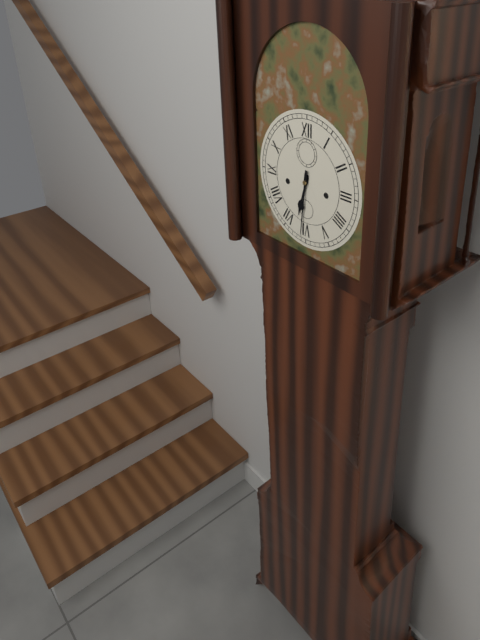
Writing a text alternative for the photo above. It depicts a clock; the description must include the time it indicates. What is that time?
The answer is 6:31
